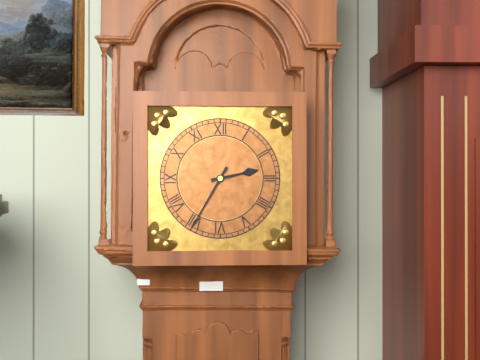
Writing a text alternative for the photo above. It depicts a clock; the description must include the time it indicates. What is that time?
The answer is 2:35
